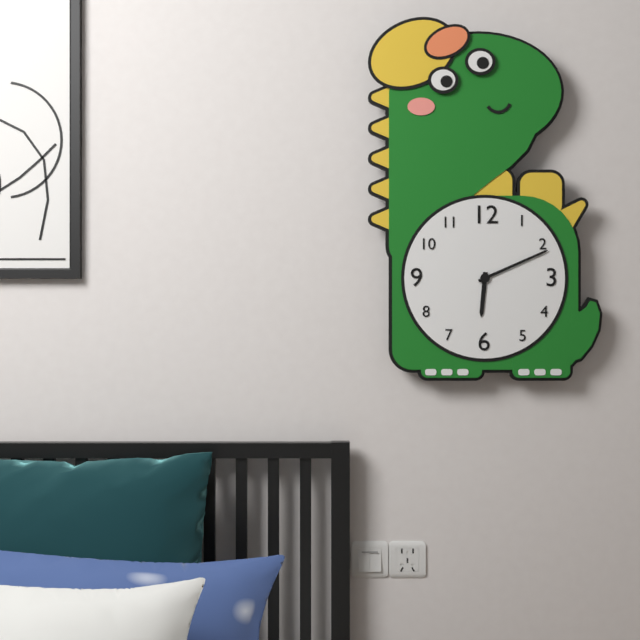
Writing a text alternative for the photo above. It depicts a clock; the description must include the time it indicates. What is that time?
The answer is 6:11
